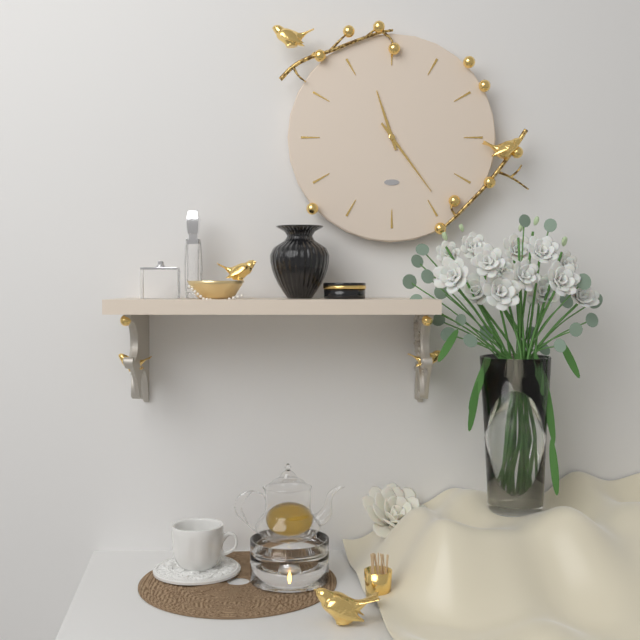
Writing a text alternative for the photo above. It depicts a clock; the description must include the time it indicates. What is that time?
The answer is 11:24
